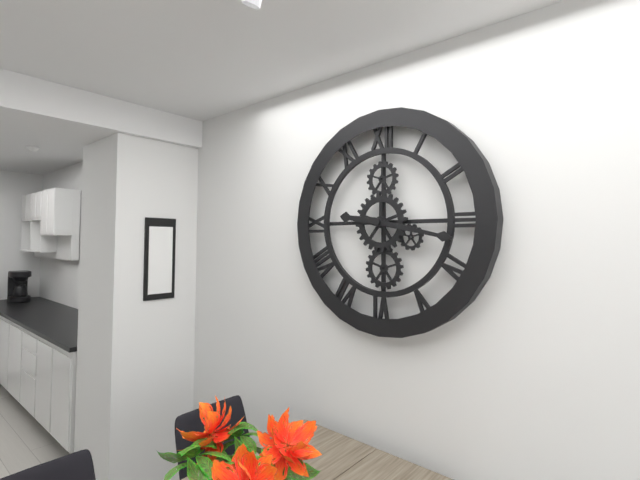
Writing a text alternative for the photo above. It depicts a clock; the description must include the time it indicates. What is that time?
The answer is 9:17
